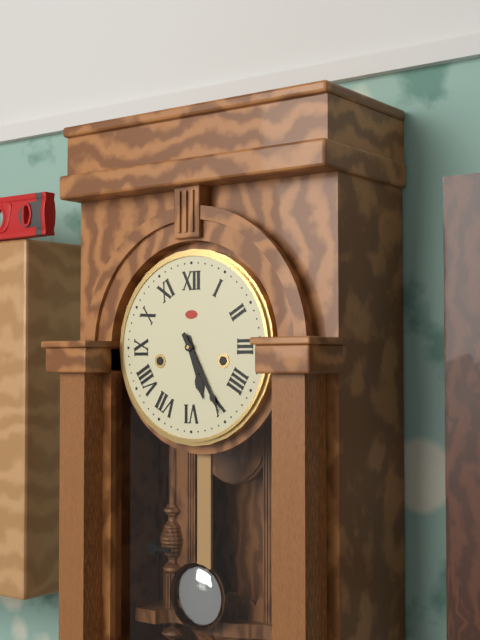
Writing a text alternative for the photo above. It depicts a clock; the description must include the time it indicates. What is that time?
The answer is 5:25
